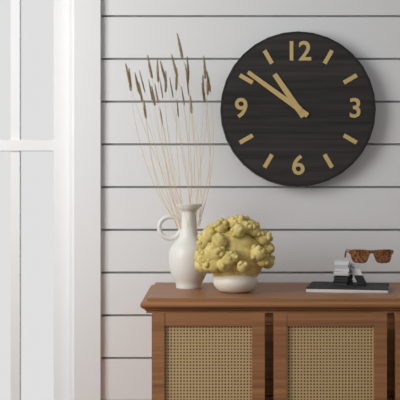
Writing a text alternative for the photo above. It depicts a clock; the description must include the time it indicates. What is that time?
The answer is 10:51
